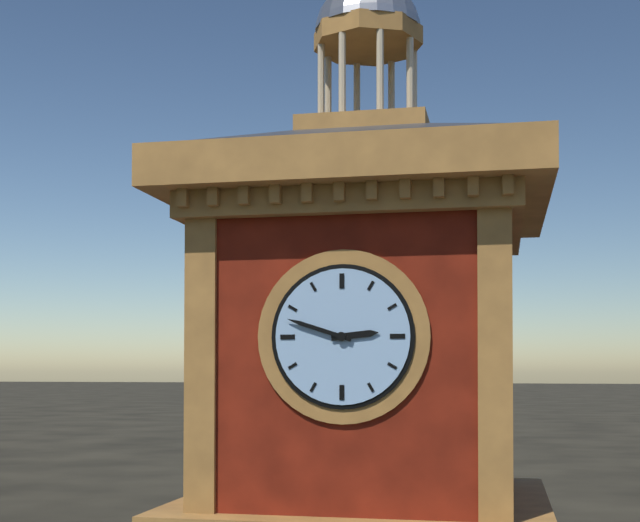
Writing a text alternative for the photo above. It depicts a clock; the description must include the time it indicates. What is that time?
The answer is 2:48
